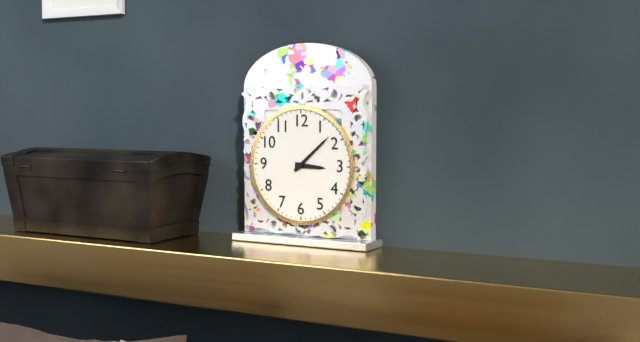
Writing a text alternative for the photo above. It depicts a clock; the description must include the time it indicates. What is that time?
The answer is 3:08
